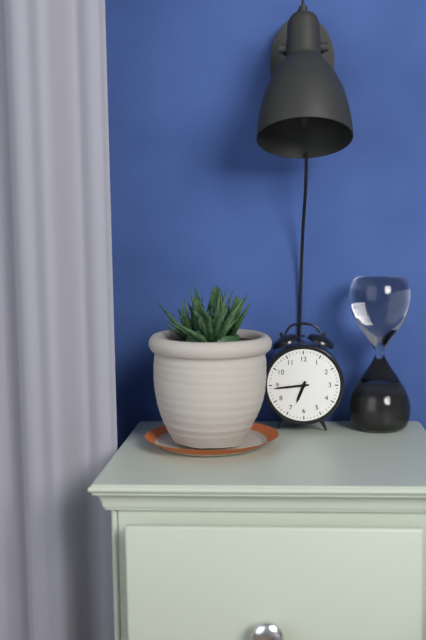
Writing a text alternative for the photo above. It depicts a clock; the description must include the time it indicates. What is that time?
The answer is 6:44
